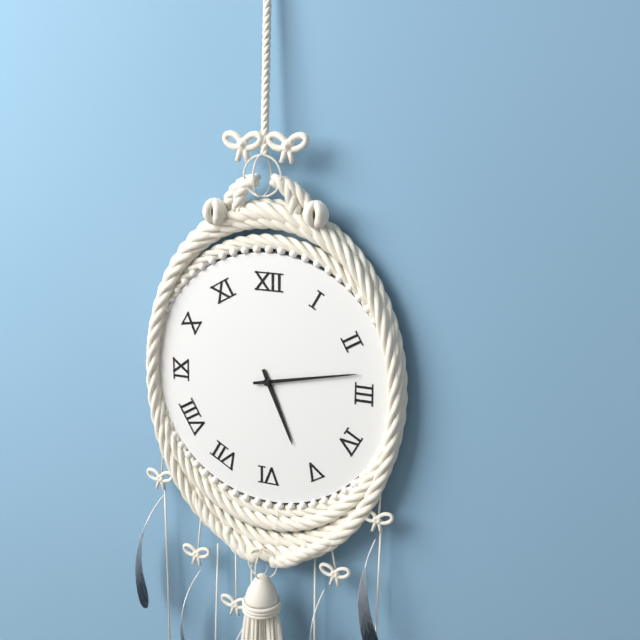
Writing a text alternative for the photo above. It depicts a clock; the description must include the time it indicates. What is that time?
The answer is 5:13
